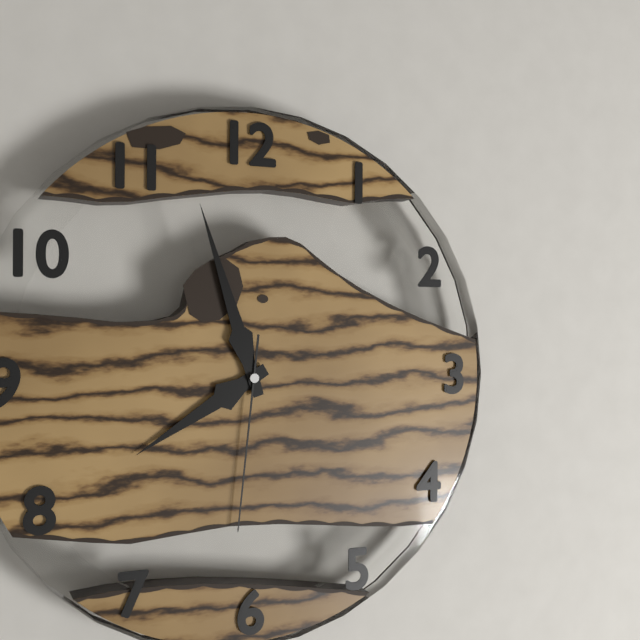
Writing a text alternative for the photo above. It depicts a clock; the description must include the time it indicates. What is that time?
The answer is 7:57:31
